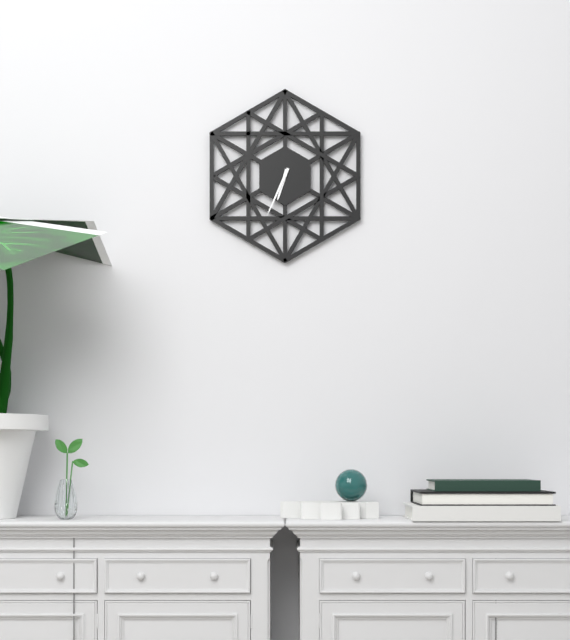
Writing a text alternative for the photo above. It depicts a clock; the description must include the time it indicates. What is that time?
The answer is 6:34
